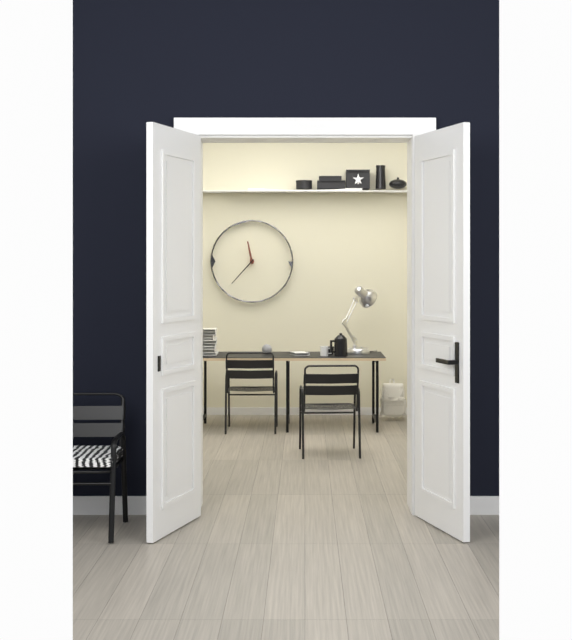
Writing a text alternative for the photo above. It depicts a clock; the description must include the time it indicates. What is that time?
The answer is 11:37
